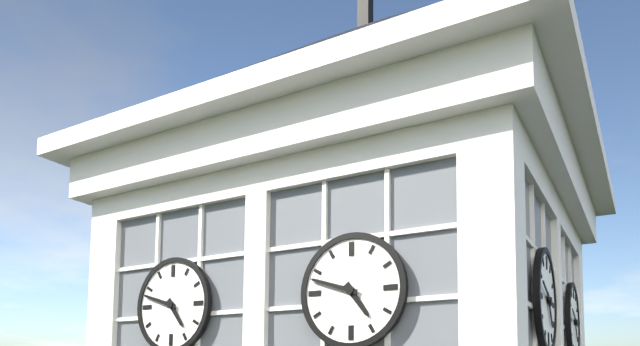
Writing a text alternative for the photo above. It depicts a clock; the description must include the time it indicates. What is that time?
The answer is 4:48
